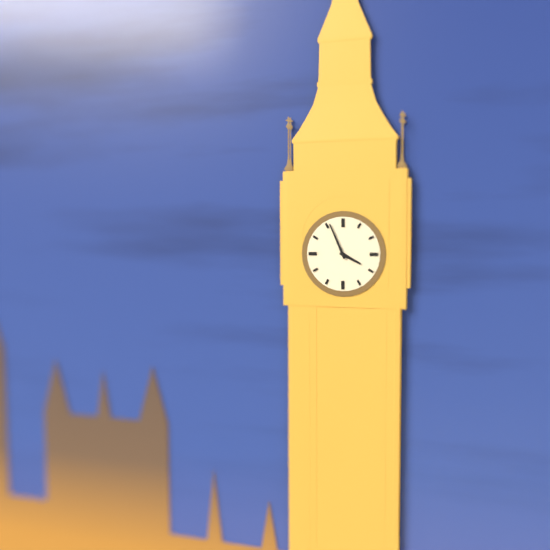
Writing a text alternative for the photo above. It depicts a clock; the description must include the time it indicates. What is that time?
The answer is 3:56
